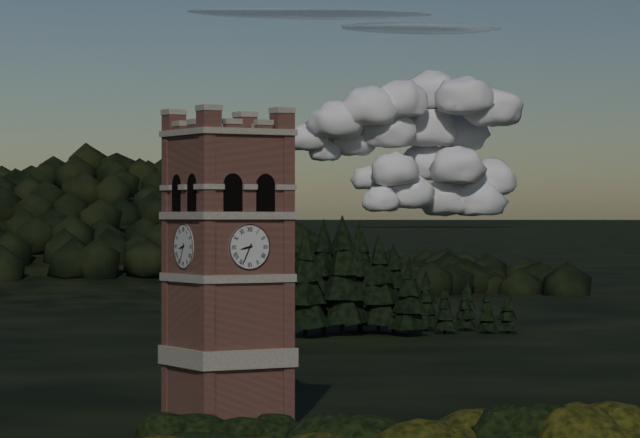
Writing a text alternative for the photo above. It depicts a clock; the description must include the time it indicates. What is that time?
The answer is 8:34
